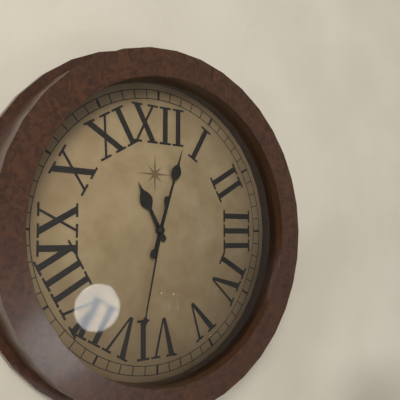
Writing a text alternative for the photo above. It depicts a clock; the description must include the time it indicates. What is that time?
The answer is 11:03:32
